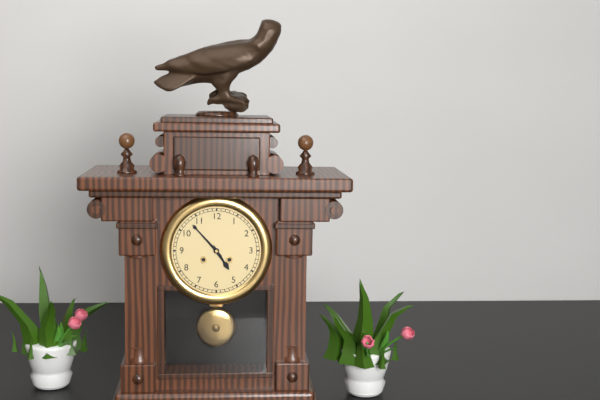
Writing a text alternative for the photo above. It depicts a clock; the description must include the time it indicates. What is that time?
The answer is 4:53
